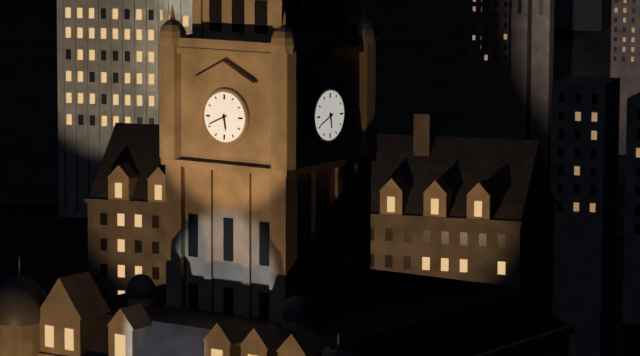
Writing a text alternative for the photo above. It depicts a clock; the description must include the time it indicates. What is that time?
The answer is 5:41
